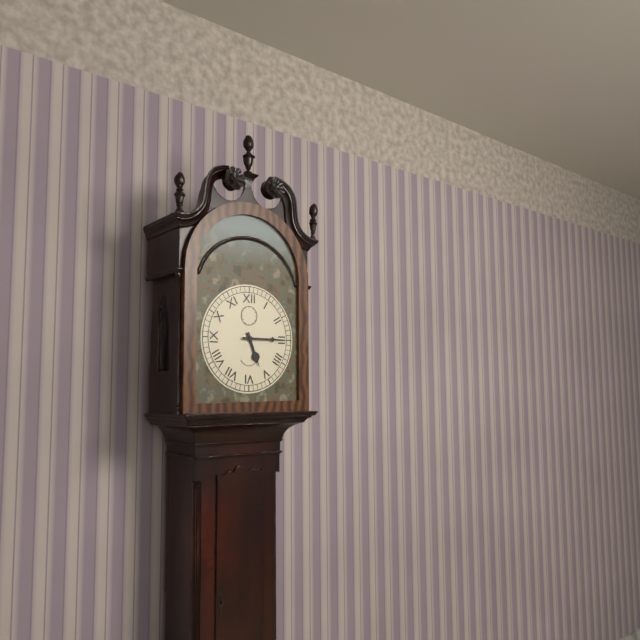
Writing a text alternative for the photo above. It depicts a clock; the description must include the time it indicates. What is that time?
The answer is 5:15
